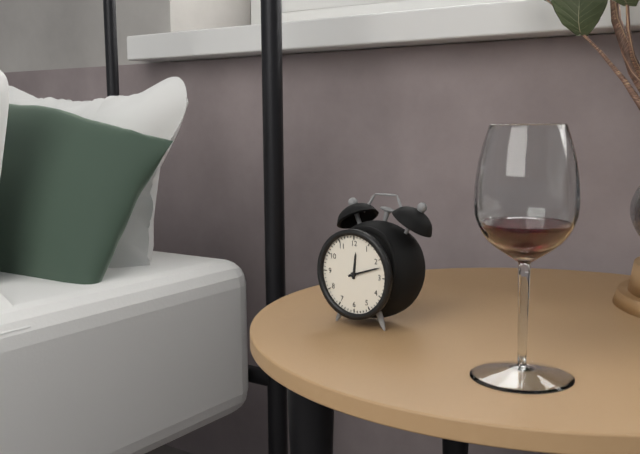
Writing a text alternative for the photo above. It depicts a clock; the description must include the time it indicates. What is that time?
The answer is 12:12
